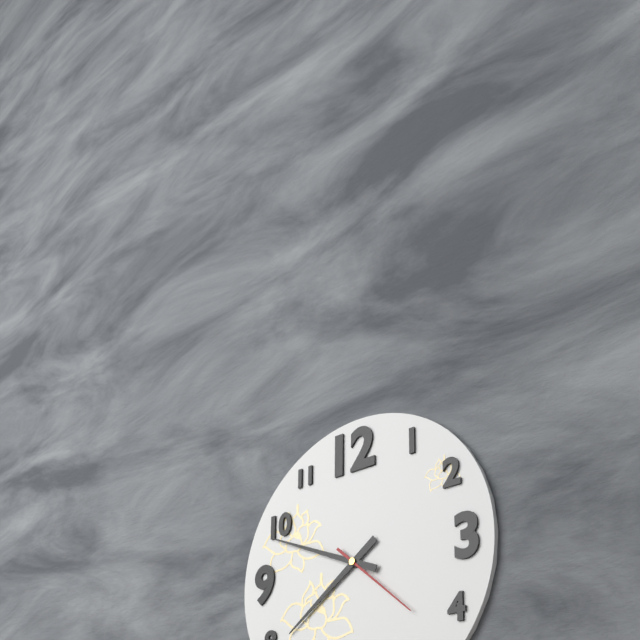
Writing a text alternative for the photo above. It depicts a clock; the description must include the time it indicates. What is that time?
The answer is 7:49:22
